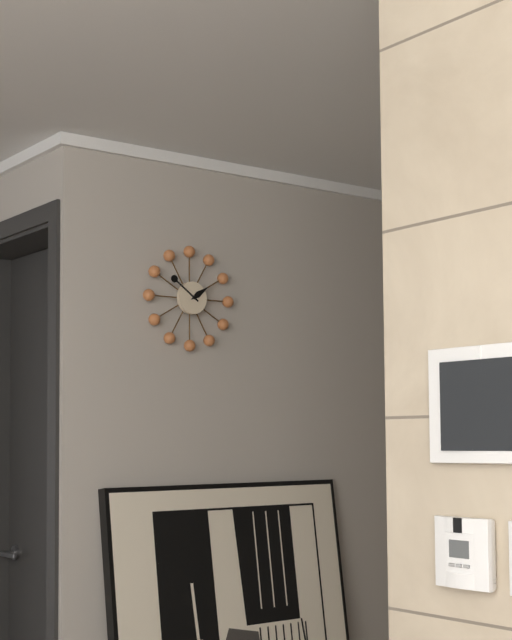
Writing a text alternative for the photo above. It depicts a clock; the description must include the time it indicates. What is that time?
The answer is 1:51
